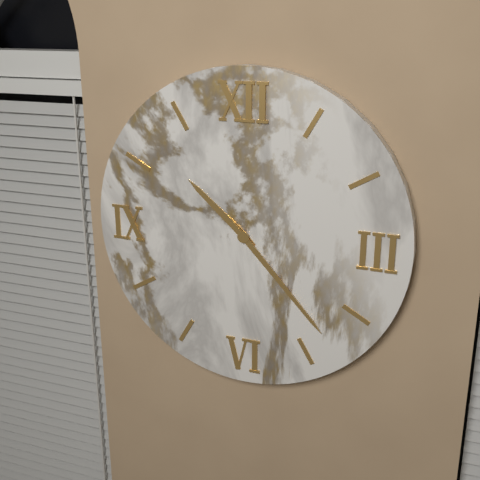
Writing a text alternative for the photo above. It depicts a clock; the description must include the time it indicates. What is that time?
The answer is 10:23
